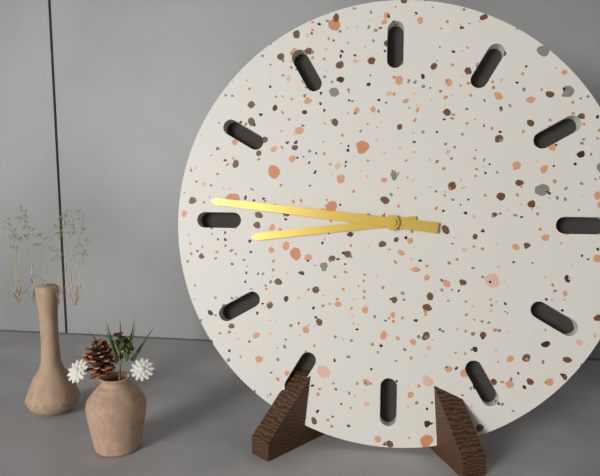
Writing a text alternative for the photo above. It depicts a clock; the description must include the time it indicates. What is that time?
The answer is 8:46
